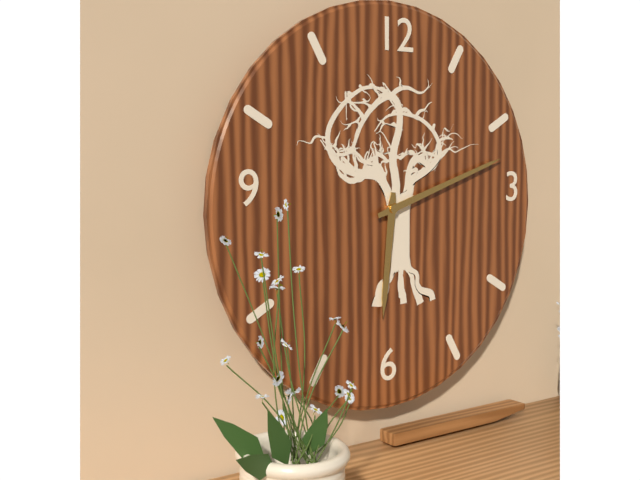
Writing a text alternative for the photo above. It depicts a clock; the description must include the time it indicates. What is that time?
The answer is 6:12
